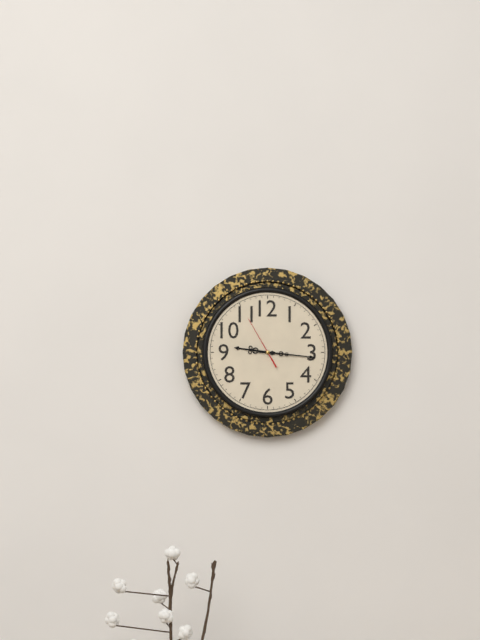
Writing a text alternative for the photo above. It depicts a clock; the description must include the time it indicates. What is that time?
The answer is 9:16:55
